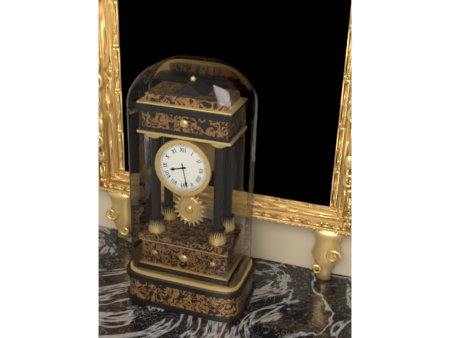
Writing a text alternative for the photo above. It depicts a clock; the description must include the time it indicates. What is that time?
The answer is 8:28
